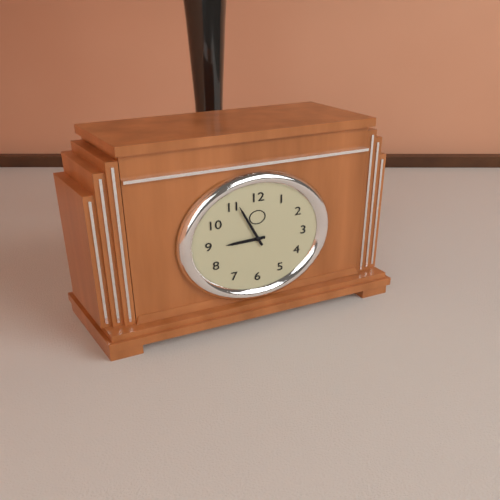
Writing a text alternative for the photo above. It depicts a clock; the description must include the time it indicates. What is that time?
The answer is 8:56
